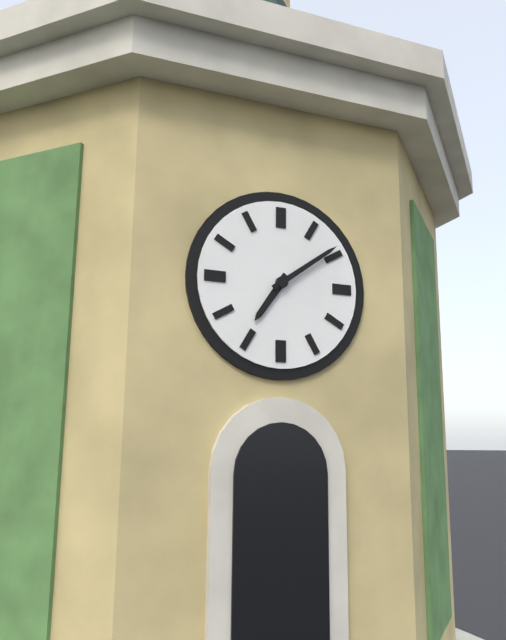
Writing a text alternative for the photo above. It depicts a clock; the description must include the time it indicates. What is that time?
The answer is 7:09
